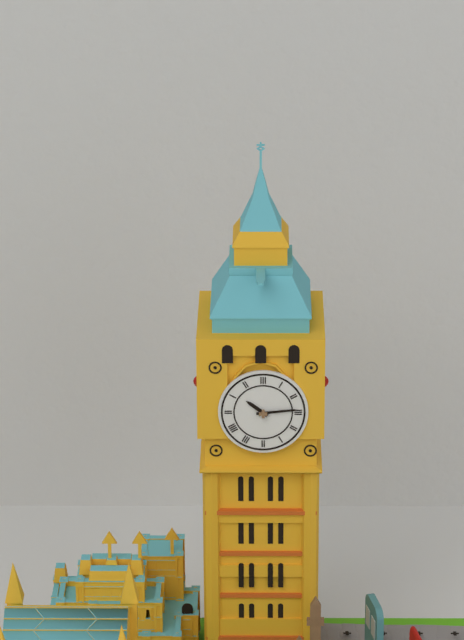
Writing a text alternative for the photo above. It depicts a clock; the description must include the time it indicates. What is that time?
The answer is 10:14
